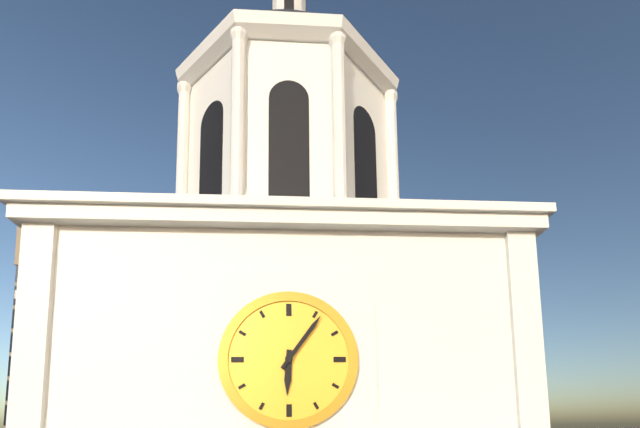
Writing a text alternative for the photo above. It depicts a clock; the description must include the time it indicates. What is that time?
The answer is 6:06
